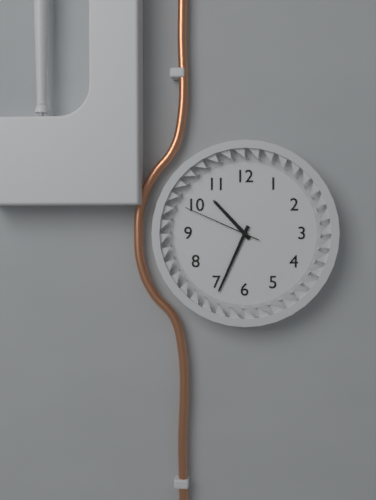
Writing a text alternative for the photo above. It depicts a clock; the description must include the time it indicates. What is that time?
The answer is 10:34:49
